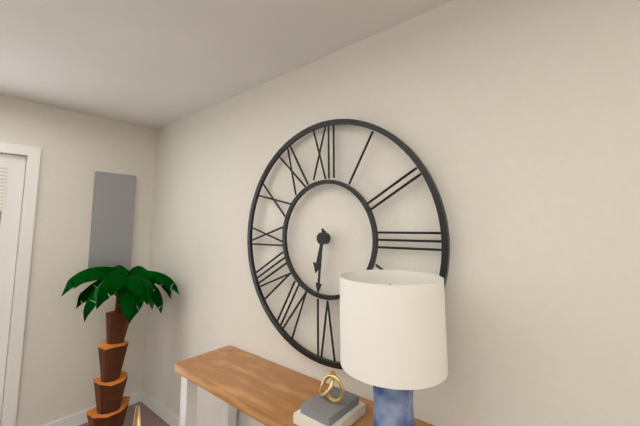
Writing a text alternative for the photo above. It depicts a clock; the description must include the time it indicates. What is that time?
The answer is 6:31
